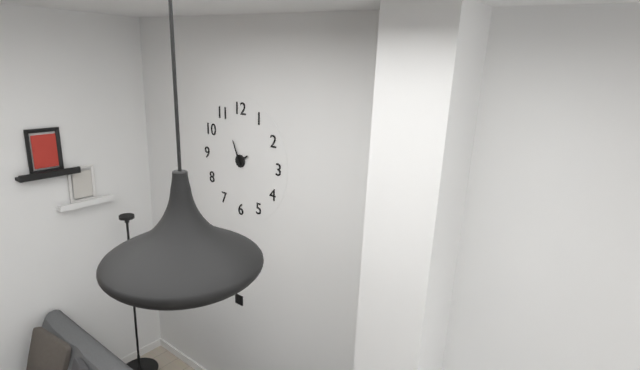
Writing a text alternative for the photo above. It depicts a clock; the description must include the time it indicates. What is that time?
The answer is 1:56
